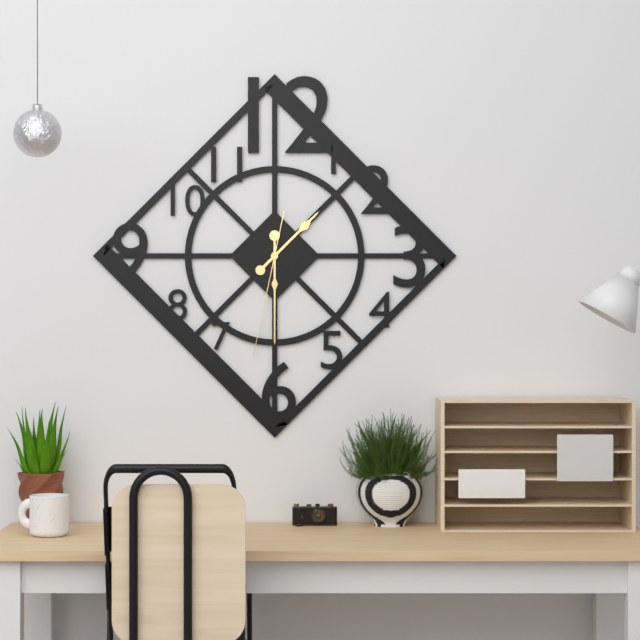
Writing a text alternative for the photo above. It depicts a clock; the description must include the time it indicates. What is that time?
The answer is 1:30:32
